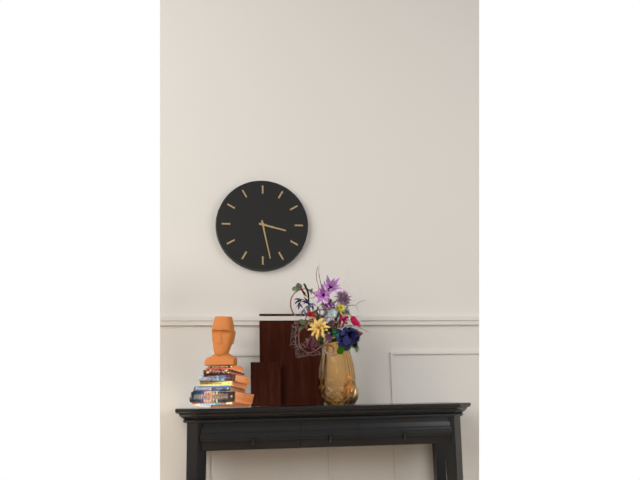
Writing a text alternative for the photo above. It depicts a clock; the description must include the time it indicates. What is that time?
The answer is 3:28
